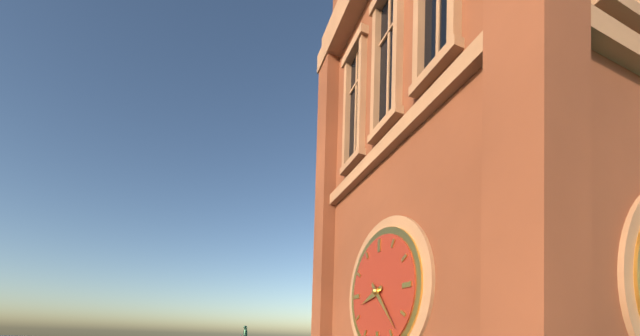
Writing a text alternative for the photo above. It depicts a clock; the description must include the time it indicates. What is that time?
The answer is 8:23
